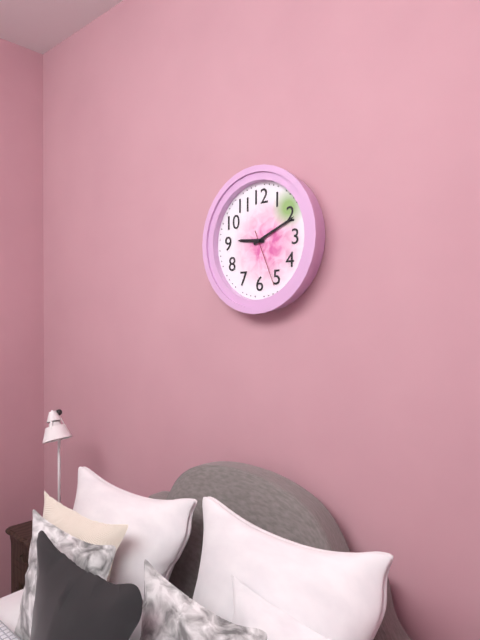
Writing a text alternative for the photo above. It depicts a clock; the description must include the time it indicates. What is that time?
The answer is 9:11:26
